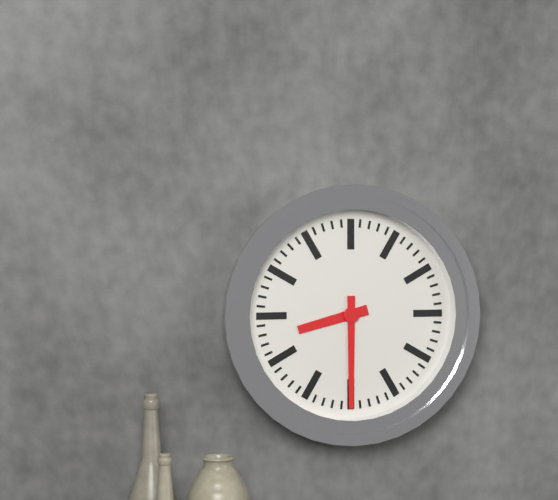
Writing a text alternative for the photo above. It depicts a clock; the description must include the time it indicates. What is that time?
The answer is 8:30
